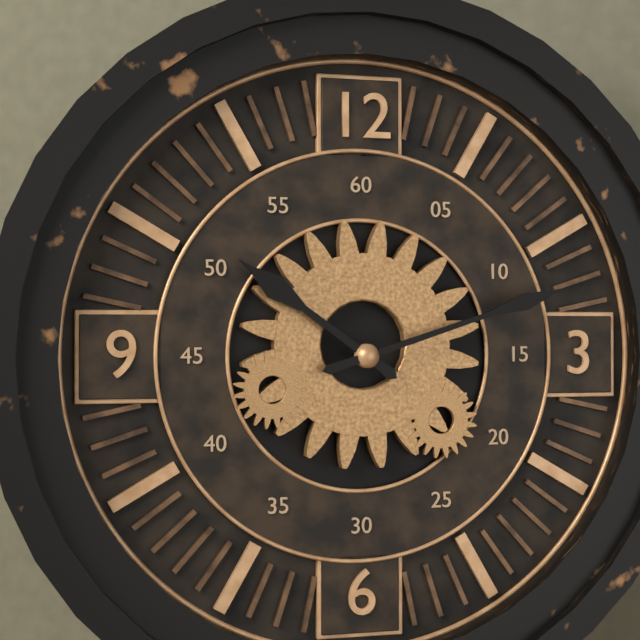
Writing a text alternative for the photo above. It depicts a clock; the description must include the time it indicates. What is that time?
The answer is 10:12
